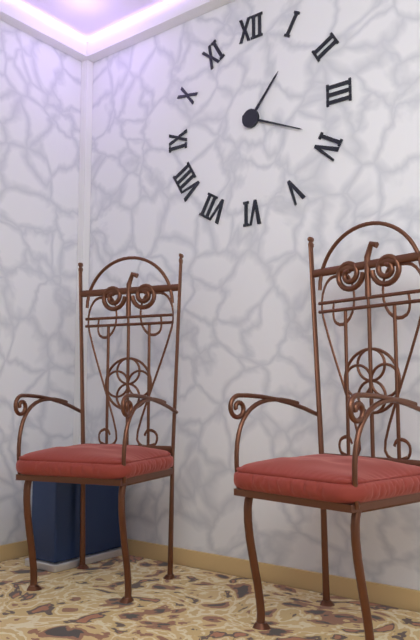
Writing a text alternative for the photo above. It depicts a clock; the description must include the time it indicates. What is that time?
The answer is 1:19
